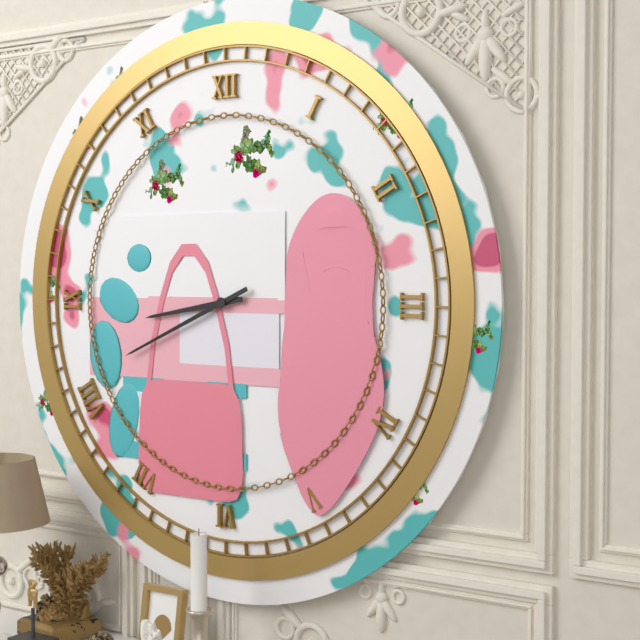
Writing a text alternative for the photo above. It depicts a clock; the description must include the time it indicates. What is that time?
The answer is 8:41
